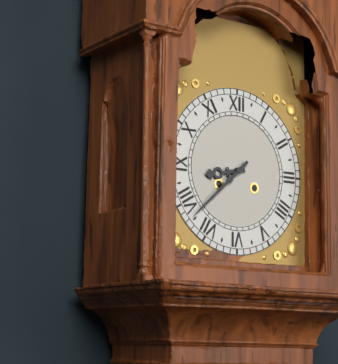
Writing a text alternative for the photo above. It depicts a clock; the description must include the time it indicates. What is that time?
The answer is 8:38
